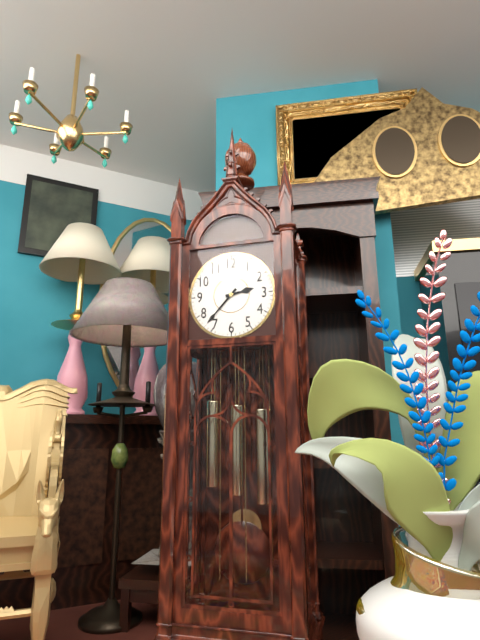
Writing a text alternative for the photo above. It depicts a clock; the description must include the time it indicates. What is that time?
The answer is 2:37
